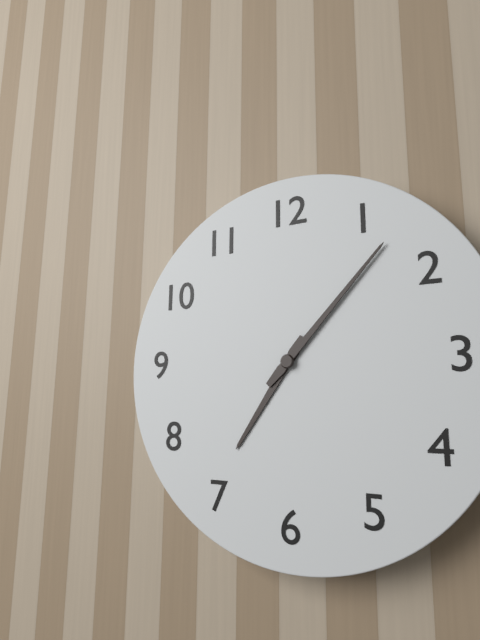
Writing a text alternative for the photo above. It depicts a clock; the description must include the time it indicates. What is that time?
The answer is 7:07
